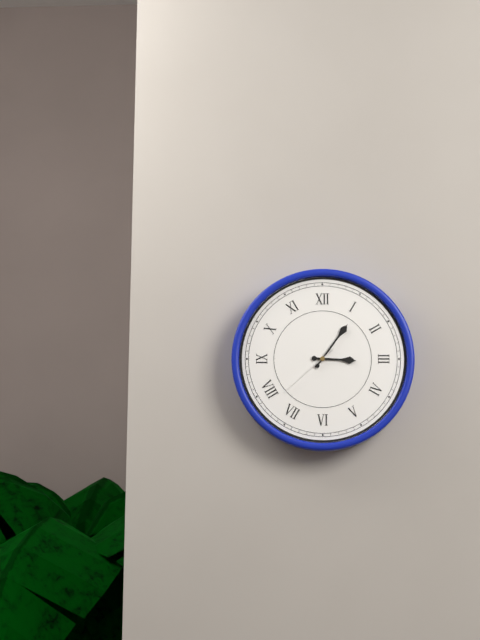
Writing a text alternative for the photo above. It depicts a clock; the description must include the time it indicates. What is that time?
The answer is 3:06:38
